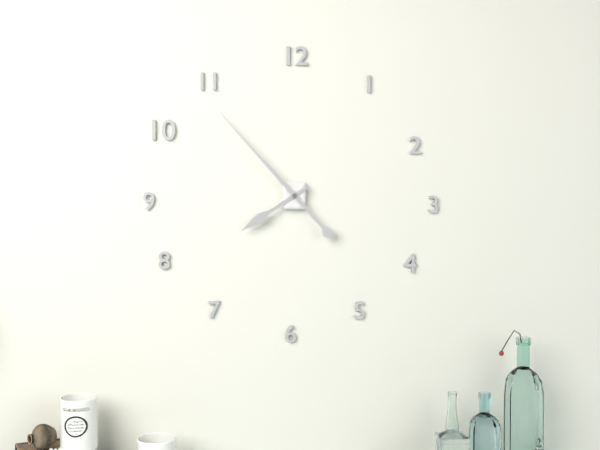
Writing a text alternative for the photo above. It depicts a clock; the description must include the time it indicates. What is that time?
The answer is 7:53
